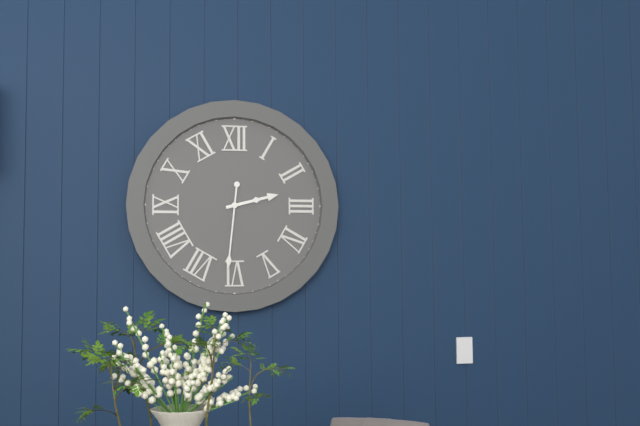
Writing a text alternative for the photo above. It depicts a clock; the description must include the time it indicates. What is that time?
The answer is 2:31
